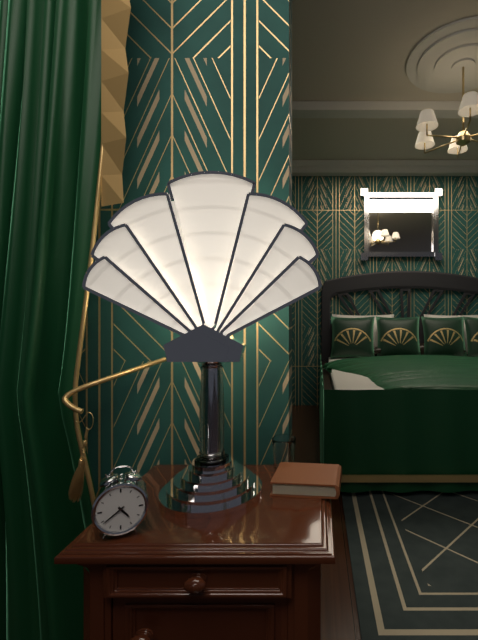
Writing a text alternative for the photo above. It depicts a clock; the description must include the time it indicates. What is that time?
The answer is 4:39
